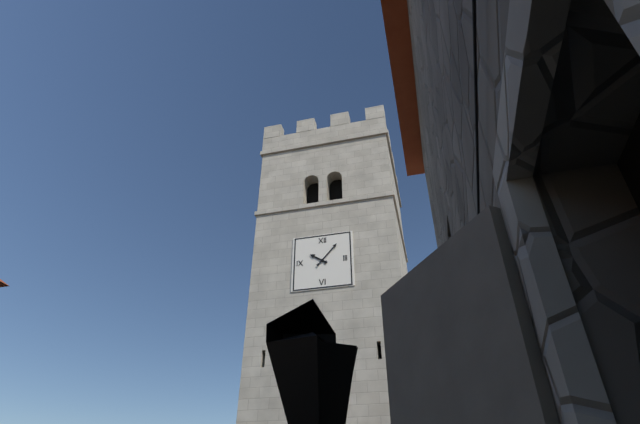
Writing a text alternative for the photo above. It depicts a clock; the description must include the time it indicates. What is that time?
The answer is 10:07
